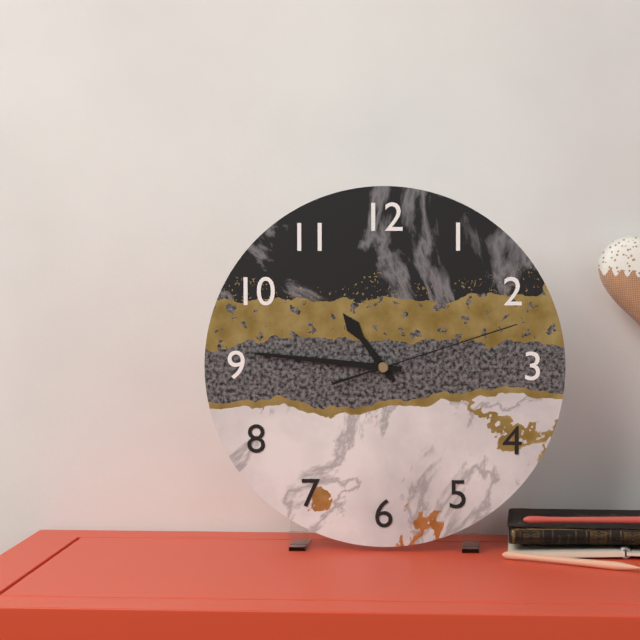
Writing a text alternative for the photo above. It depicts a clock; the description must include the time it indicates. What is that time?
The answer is 10:46:12
